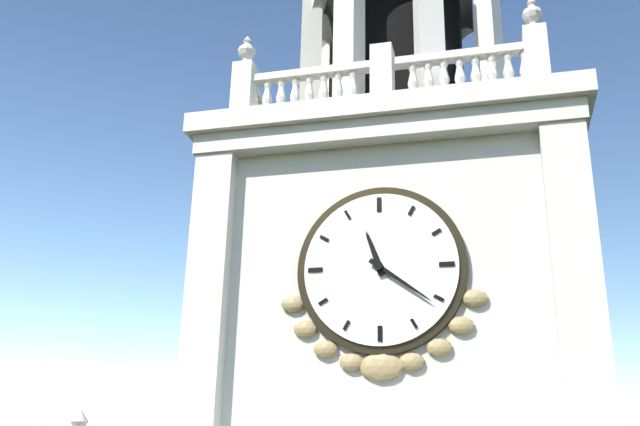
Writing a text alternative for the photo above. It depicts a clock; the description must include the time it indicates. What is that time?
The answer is 11:21
